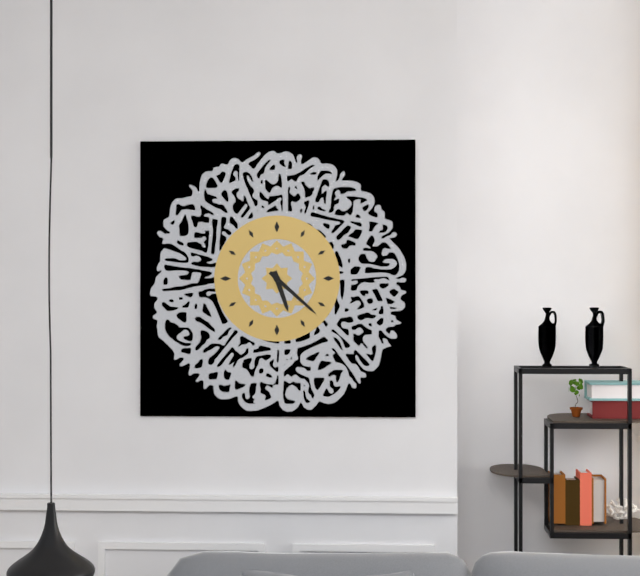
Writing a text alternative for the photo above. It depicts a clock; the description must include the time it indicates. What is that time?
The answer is 5:22
